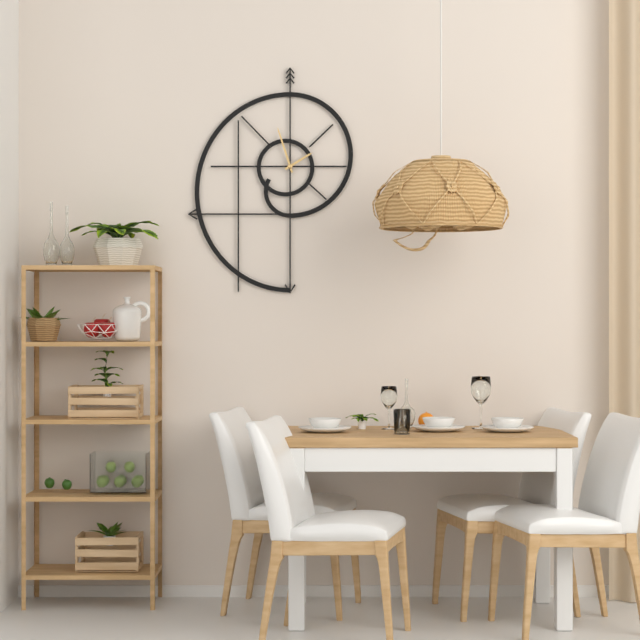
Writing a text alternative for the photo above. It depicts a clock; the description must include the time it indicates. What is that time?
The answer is 1:57
